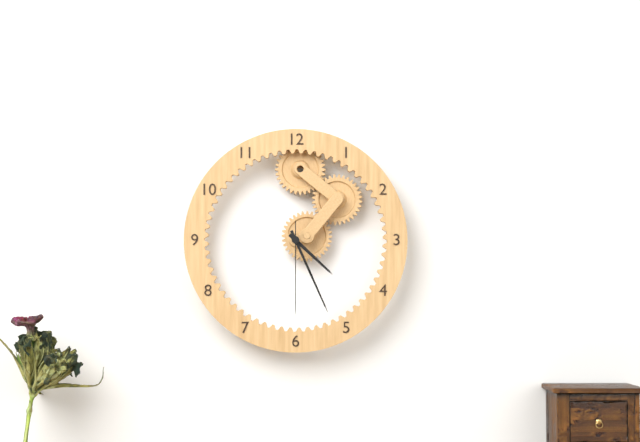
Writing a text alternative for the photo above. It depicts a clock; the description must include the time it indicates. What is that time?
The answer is 4:26:30
